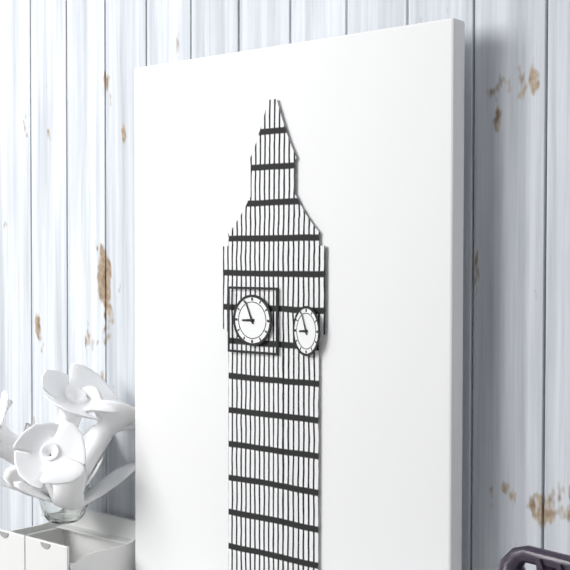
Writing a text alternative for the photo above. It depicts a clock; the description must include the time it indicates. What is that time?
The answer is 8:56
